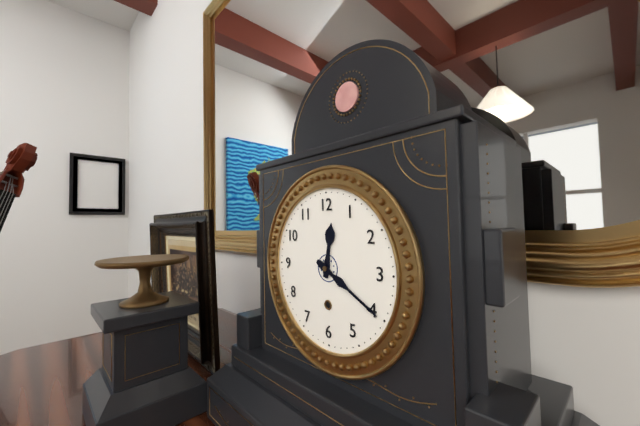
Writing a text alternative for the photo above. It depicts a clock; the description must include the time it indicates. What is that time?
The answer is 12:20
